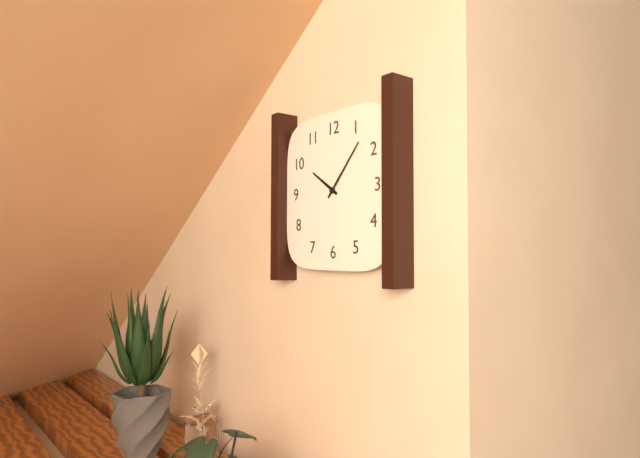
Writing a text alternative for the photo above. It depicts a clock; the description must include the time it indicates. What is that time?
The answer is 10:07
